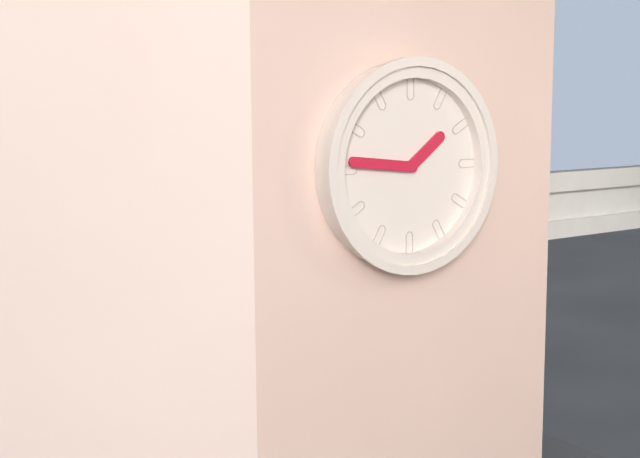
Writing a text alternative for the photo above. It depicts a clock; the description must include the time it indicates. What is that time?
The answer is 1:46
